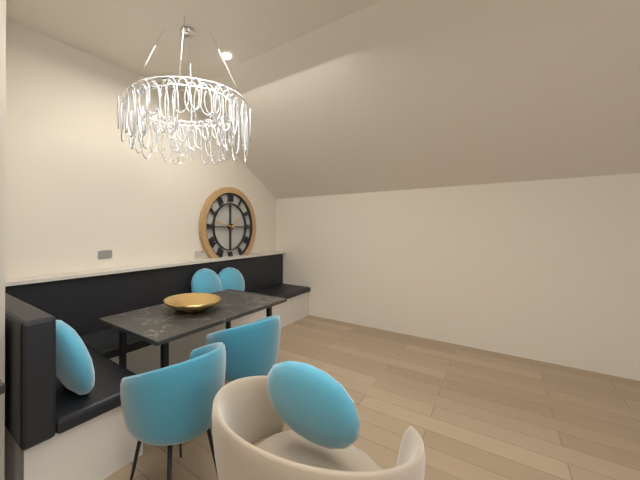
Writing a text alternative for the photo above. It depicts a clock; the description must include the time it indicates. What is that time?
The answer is 1:47
